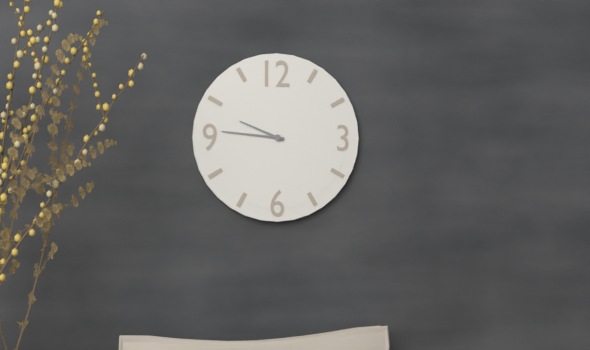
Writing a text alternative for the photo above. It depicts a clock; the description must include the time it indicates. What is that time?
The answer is 9:46
